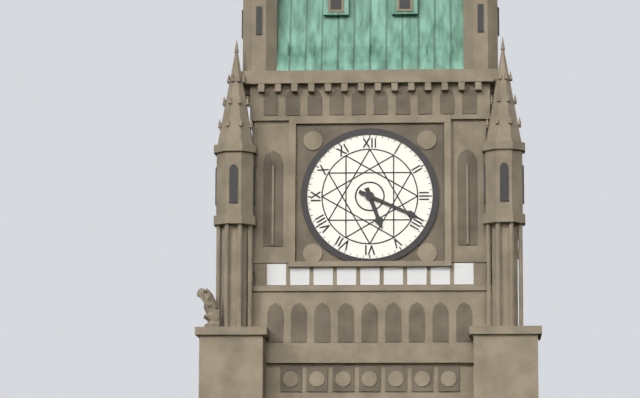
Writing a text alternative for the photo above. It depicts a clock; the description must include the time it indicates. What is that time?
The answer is 5:19
